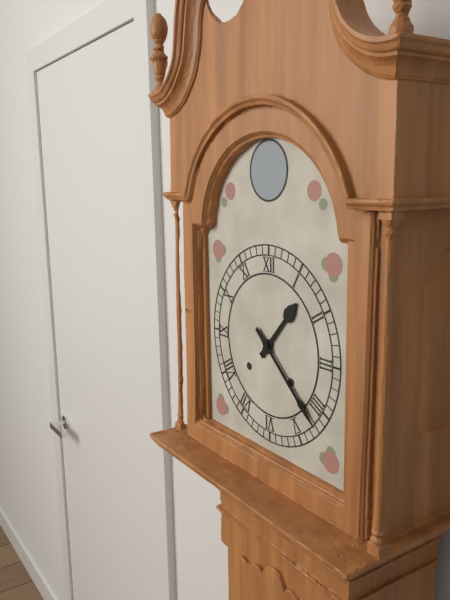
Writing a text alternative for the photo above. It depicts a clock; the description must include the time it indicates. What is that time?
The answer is 1:22
